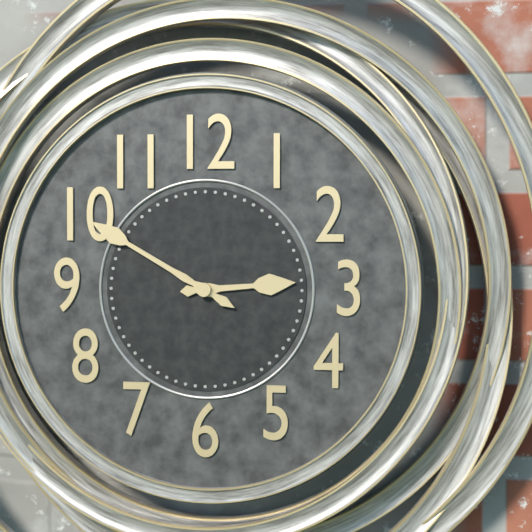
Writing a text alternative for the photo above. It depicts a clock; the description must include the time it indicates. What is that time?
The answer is 2:50
